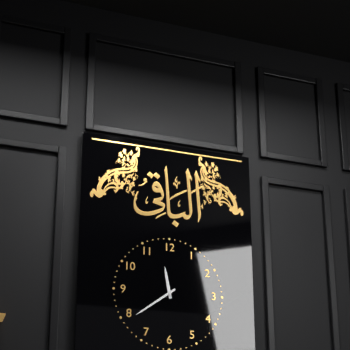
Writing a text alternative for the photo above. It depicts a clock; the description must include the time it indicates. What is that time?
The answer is 11:39
